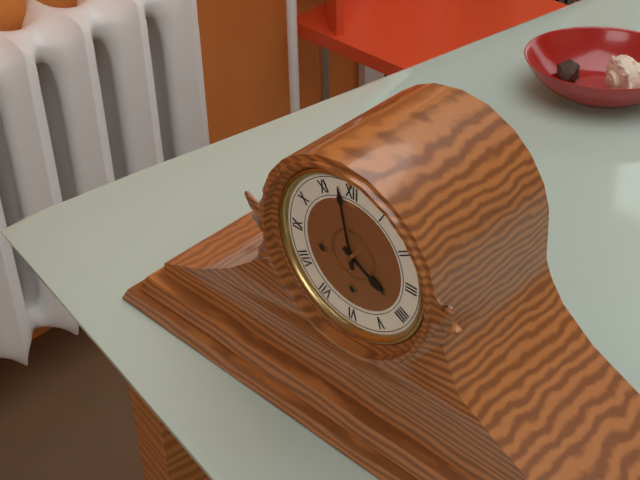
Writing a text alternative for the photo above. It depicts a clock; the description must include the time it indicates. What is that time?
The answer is 3:58
